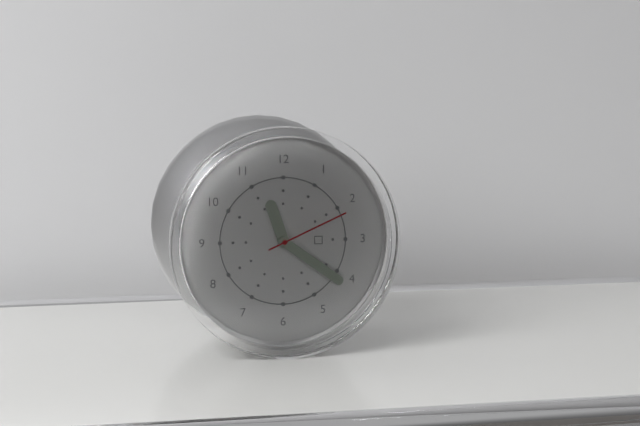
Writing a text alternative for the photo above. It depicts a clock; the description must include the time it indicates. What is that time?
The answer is 11:21:11
